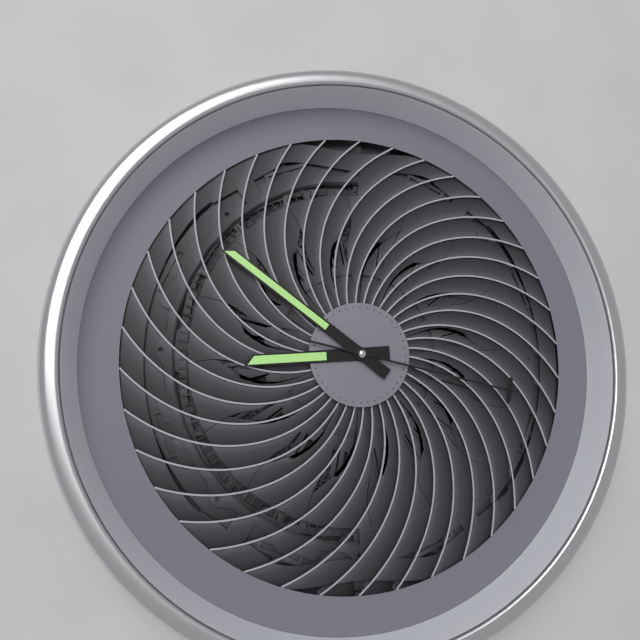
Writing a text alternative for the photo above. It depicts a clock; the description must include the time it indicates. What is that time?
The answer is 8:51:17
